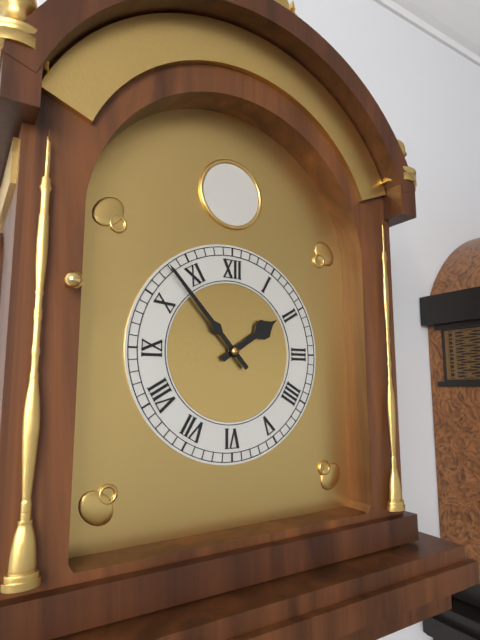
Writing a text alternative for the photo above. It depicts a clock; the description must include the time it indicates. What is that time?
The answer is 1:53
